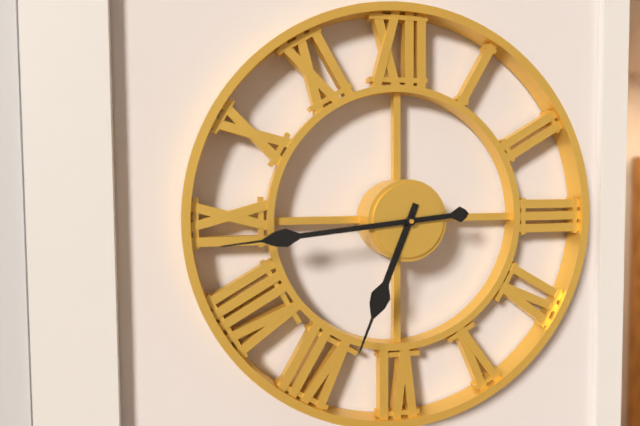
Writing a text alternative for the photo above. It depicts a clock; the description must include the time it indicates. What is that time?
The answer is 6:44
